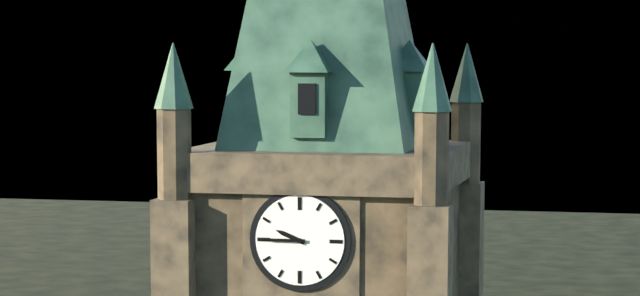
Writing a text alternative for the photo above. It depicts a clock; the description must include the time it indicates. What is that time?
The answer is 9:45
